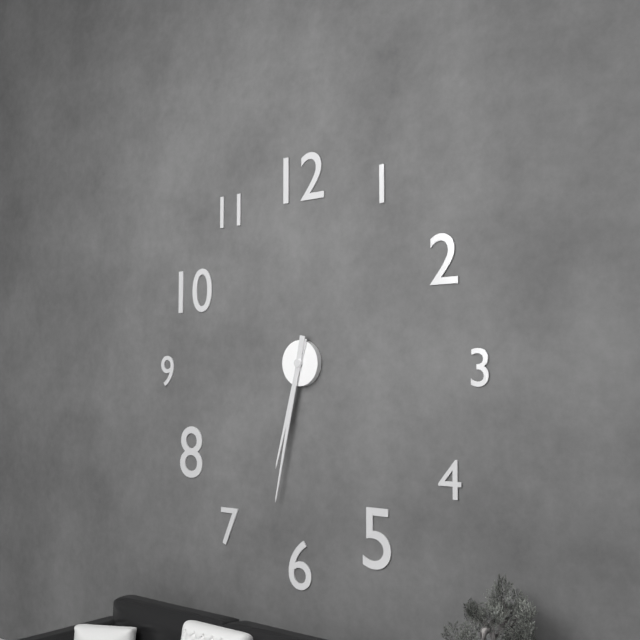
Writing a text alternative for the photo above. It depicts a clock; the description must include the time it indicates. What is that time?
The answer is 6:32
